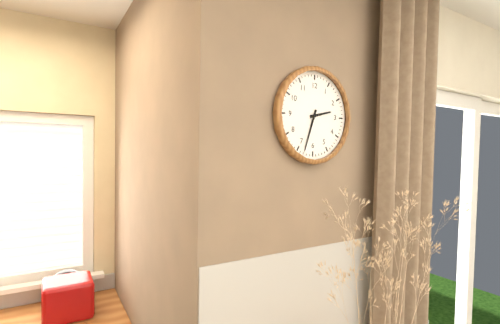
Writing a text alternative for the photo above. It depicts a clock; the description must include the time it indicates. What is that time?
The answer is 2:33
